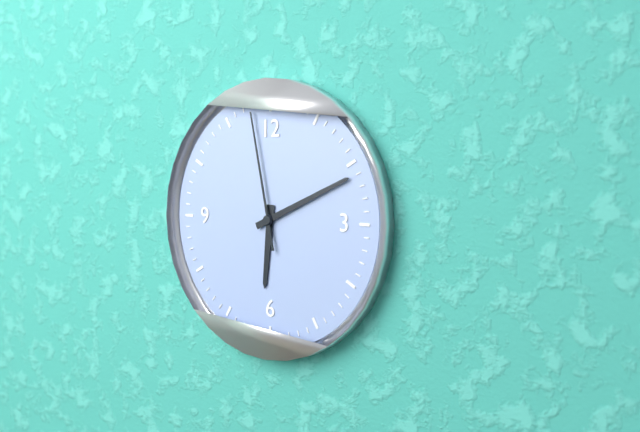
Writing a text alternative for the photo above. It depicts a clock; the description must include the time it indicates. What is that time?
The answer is 6:11:58
